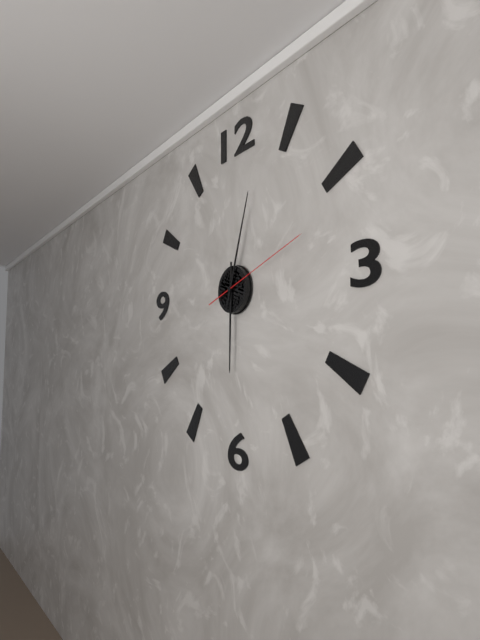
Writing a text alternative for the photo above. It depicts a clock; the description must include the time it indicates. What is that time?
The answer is 6:03:12
